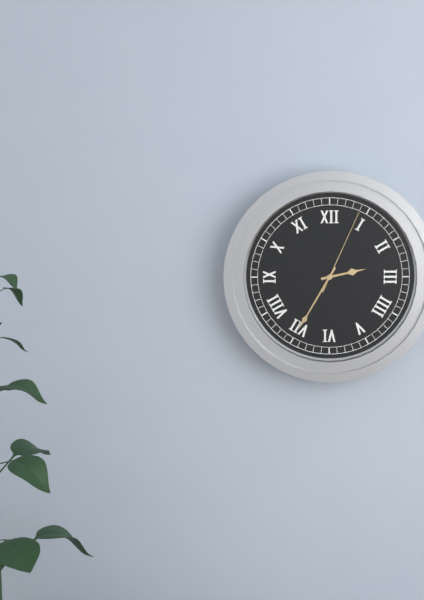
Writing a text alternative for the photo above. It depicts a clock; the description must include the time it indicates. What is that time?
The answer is 2:35:04
